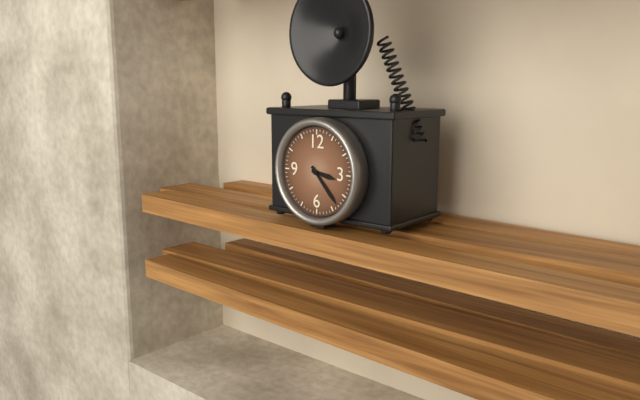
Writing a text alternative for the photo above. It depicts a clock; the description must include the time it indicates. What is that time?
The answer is 3:23
